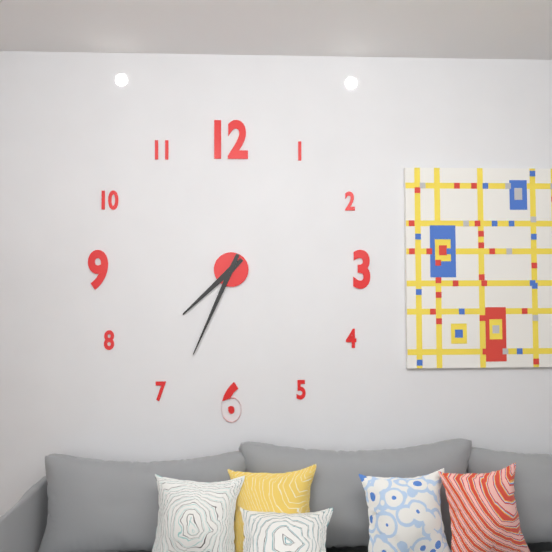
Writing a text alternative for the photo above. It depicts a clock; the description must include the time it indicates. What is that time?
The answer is 7:34
